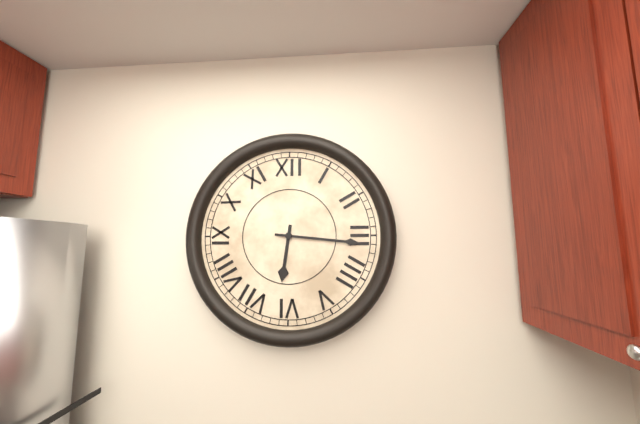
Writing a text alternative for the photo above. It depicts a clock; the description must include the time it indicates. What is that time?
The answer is 6:16
